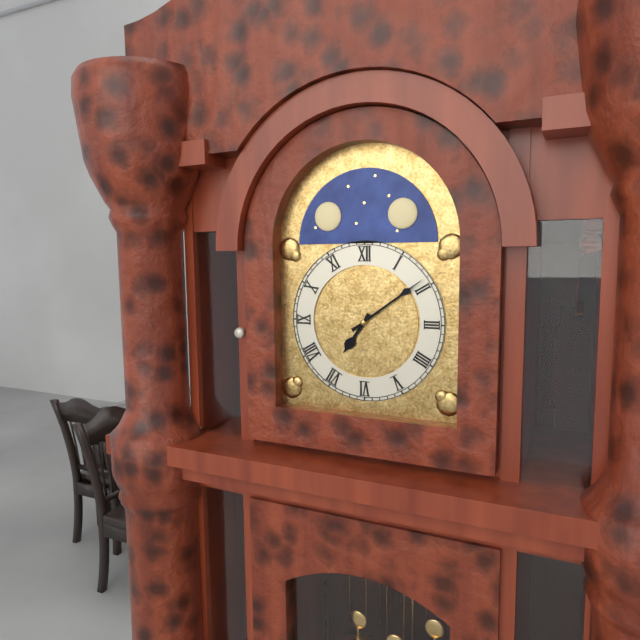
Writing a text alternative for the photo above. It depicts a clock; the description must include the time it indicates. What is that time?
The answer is 7:09
